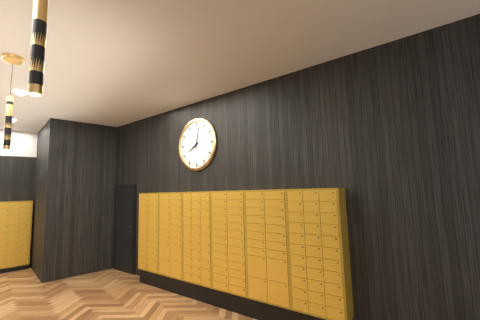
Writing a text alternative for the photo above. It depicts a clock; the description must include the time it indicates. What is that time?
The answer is 8:02
